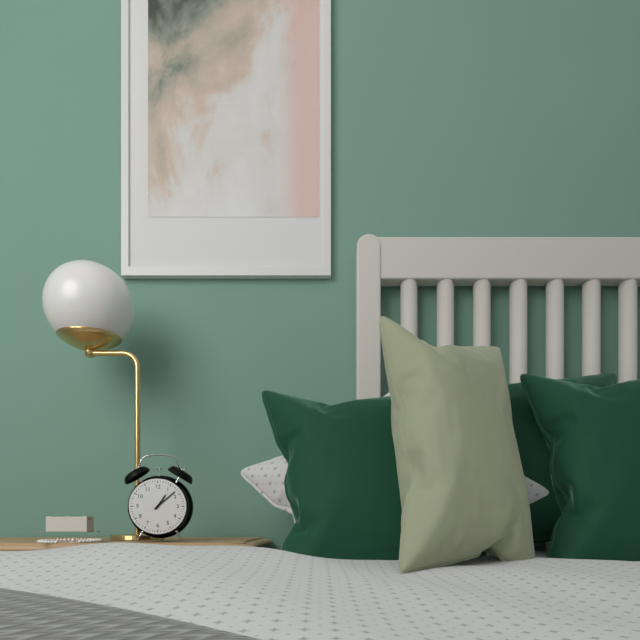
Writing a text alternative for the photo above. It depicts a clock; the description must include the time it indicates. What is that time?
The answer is 1:08
